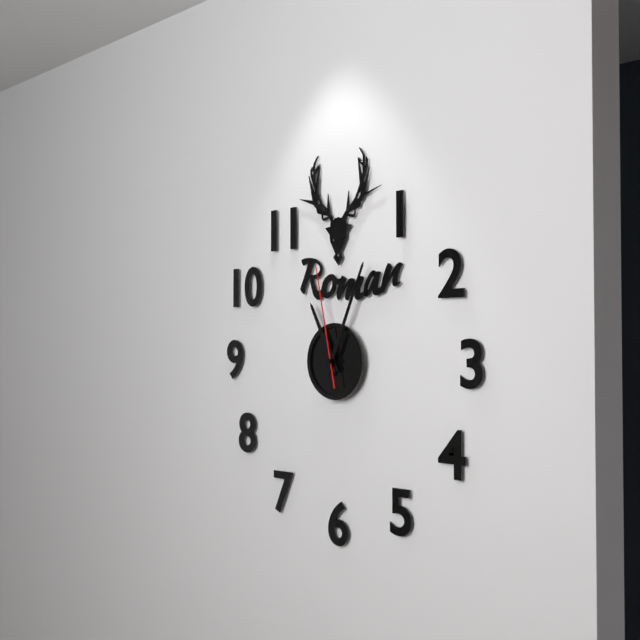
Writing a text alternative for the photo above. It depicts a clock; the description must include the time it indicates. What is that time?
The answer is 11:04:58
